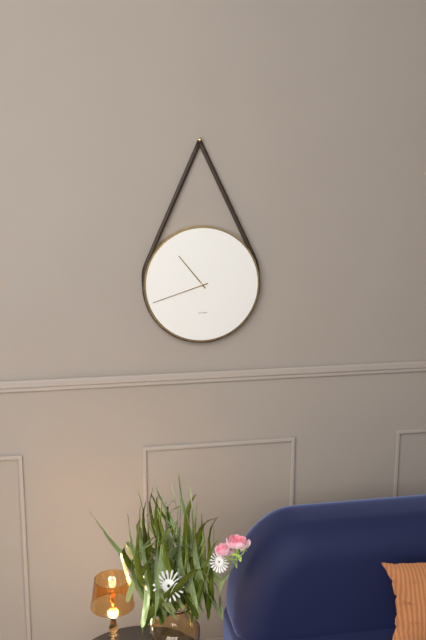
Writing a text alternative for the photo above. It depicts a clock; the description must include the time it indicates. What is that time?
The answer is 10:42
